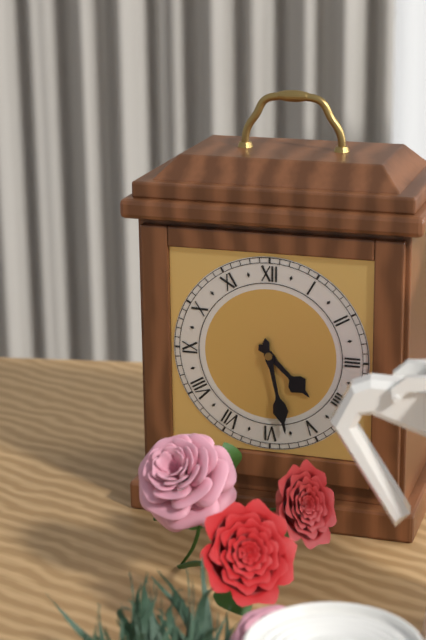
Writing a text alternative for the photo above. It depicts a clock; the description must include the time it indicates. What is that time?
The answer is 4:28
